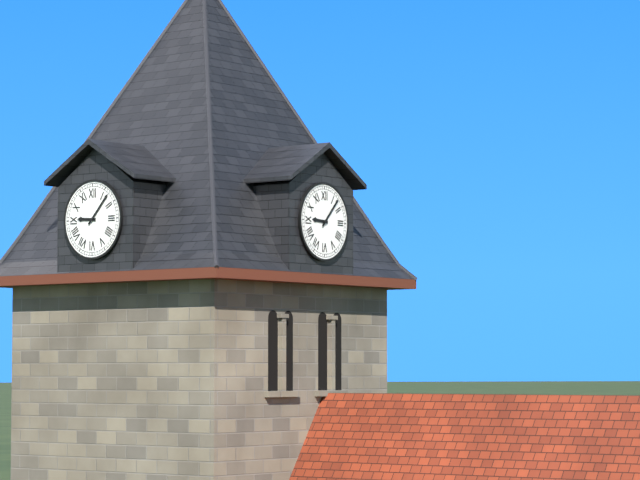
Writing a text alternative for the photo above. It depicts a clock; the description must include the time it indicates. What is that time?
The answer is 9:07
